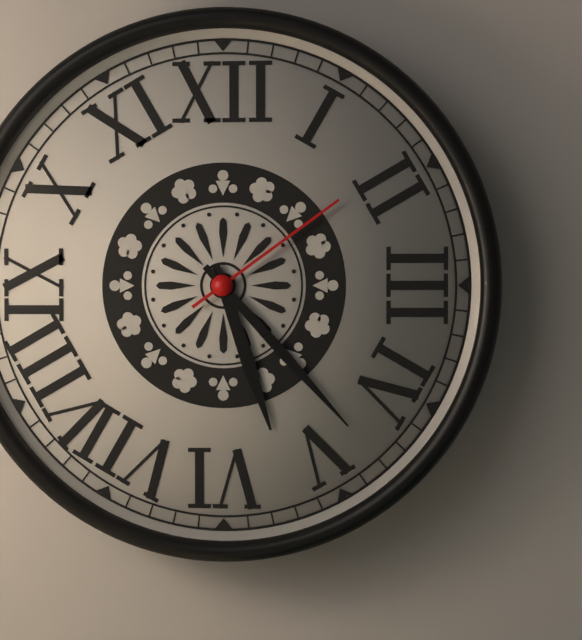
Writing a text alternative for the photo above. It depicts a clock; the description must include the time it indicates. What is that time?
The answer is 5:23:09
